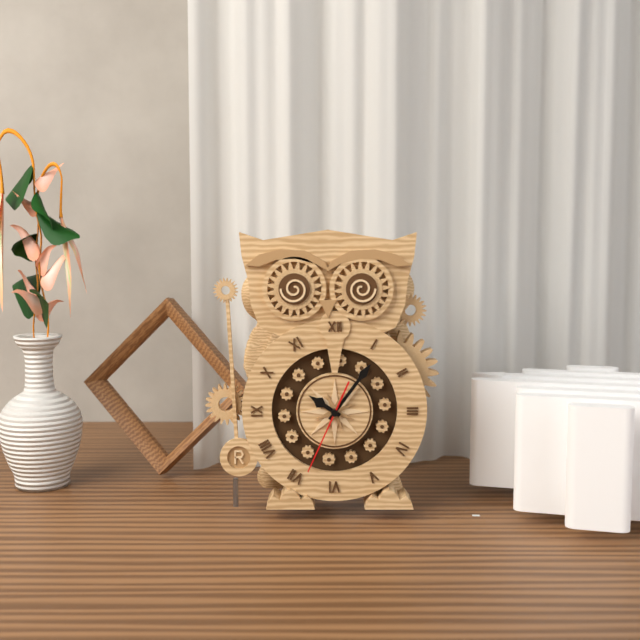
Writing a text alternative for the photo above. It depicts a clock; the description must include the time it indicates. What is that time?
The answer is 10:06:34
